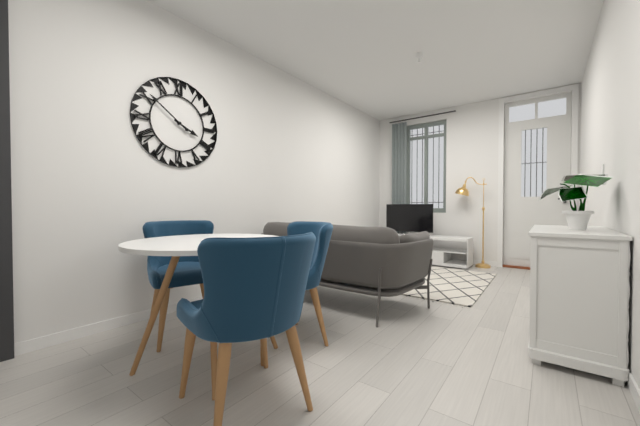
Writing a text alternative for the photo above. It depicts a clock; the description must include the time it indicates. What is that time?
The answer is 3:51
